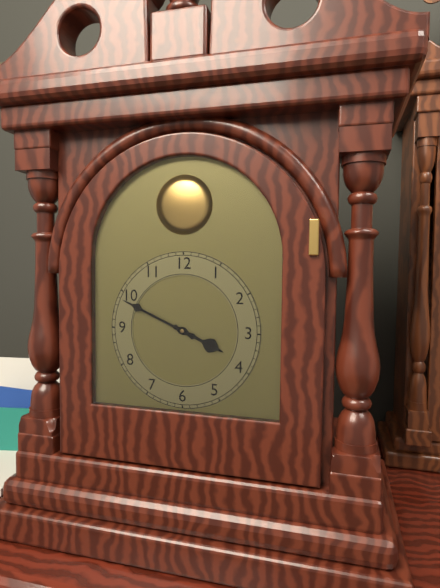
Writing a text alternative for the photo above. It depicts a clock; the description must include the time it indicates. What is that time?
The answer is 3:49
